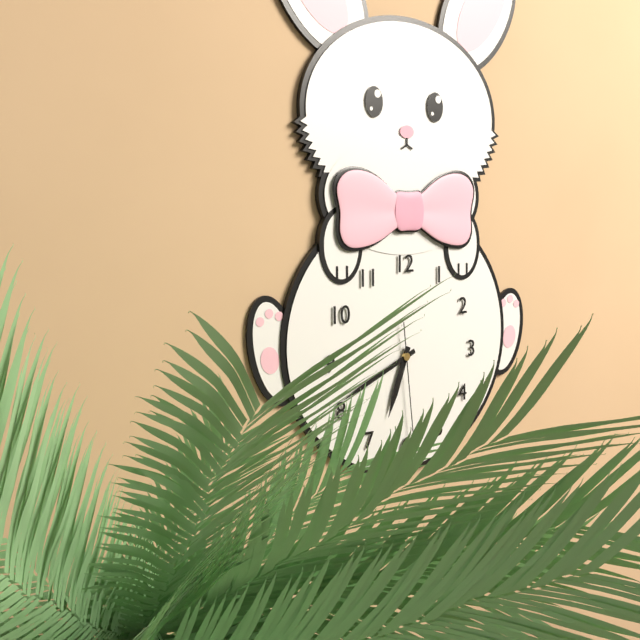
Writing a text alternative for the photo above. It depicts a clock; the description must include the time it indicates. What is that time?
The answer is 6:41:29
